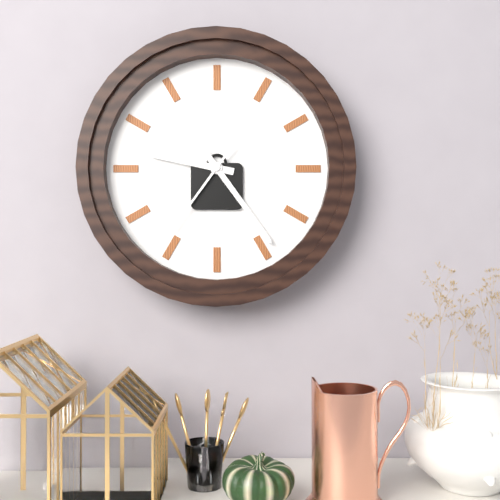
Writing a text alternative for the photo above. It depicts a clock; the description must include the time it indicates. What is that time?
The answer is 9:24:36
